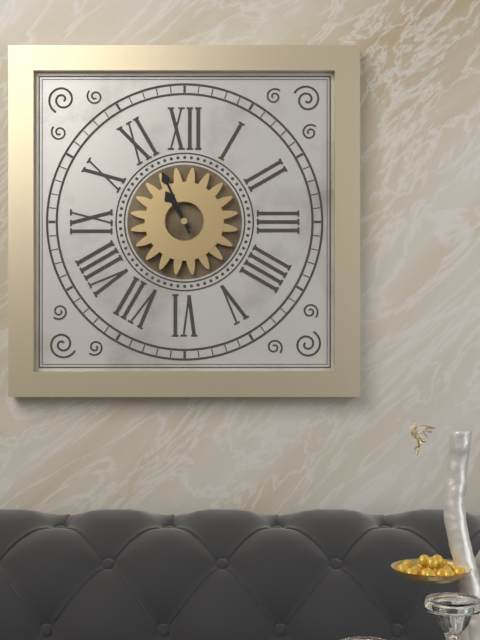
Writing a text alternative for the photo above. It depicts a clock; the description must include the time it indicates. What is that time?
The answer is 10:56
